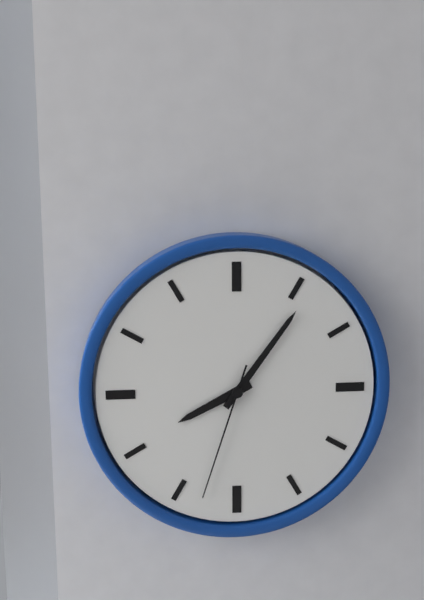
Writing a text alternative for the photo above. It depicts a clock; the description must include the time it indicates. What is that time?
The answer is 8:06:33
